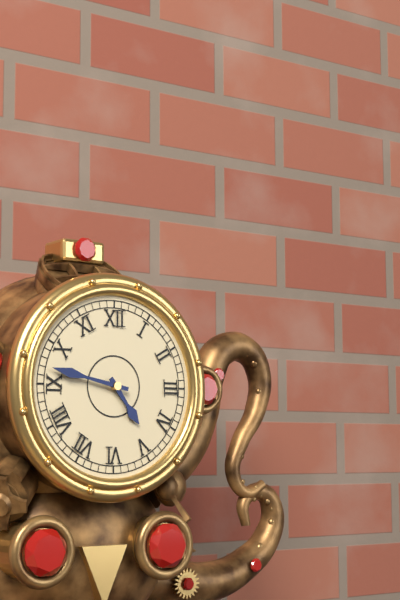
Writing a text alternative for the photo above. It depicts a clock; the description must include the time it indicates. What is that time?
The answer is 4:47
